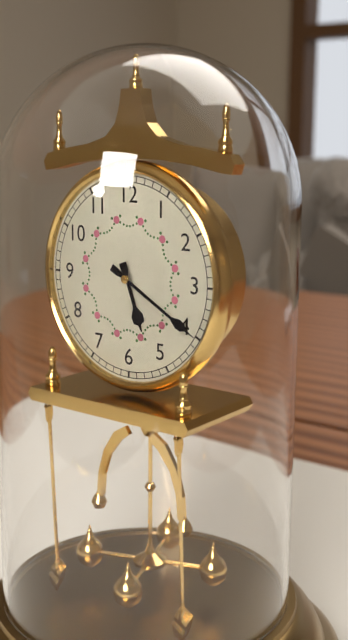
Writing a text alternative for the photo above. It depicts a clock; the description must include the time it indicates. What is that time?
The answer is 5:20
